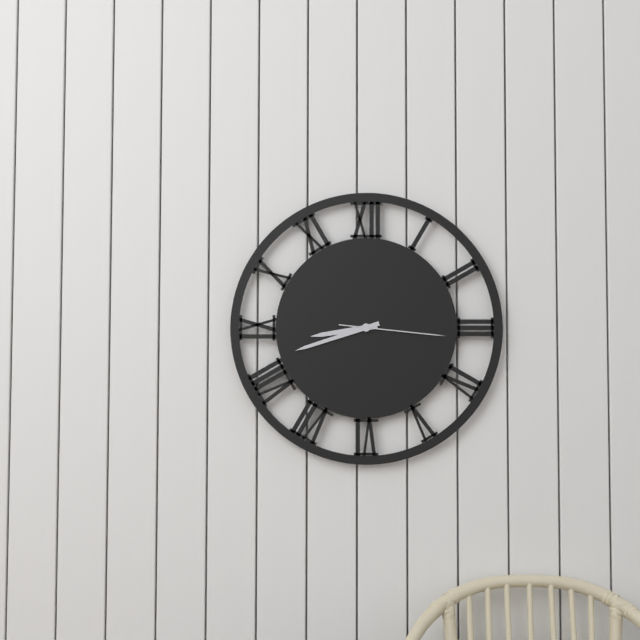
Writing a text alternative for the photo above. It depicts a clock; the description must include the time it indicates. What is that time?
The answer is 8:42:16
